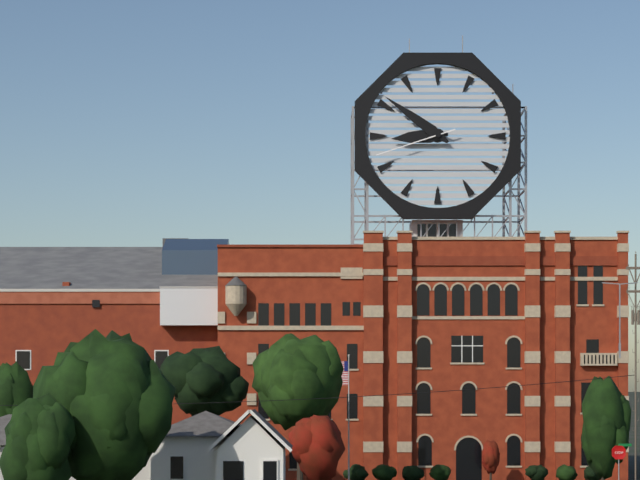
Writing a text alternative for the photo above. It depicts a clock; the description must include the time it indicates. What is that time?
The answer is 8:51:42
